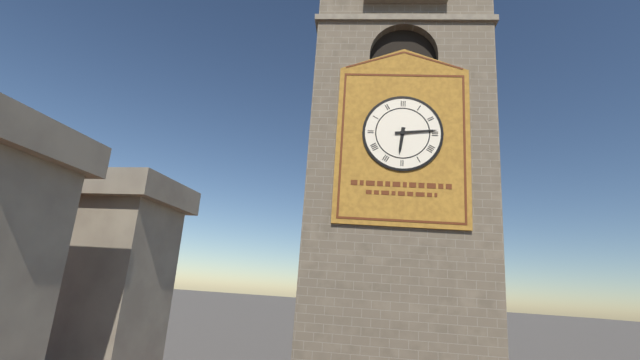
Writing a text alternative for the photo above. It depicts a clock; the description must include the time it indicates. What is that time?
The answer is 6:14
